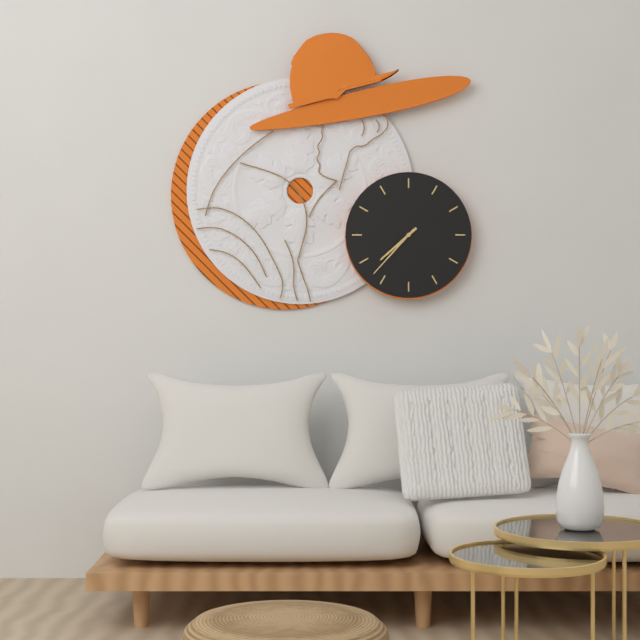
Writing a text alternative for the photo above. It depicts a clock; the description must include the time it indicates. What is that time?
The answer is 7:37
